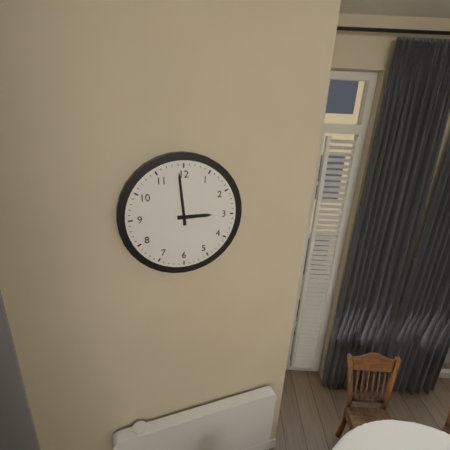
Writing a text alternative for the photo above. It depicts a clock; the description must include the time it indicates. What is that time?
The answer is 2:59
